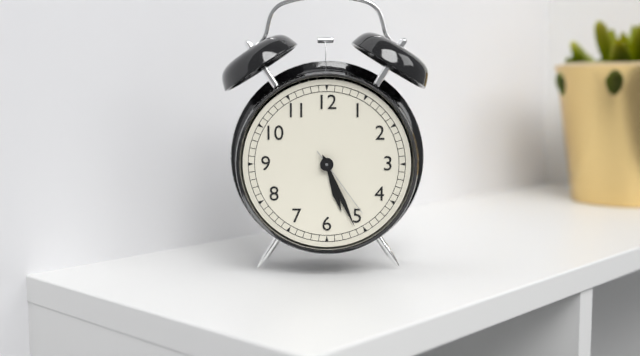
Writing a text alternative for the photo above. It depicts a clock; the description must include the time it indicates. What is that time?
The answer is 5:26:24
